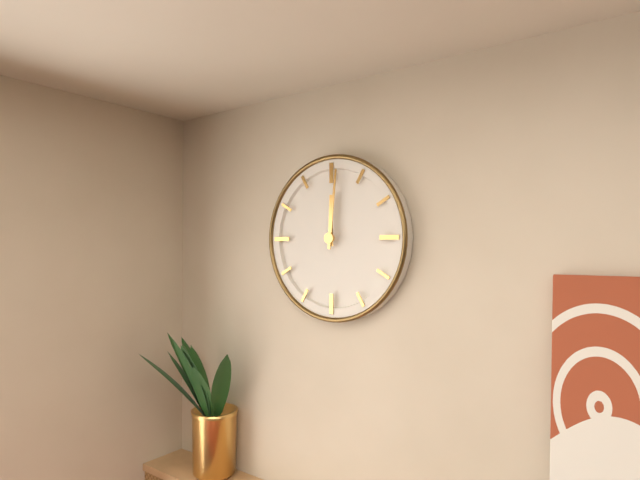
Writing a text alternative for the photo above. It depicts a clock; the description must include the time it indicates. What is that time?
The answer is 12:01
